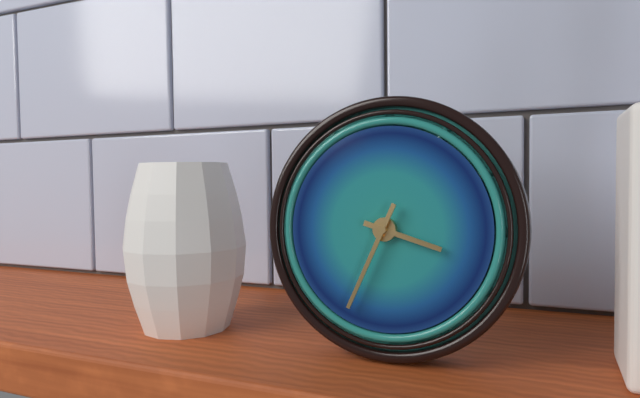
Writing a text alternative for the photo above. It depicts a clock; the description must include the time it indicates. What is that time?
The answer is 3:34
